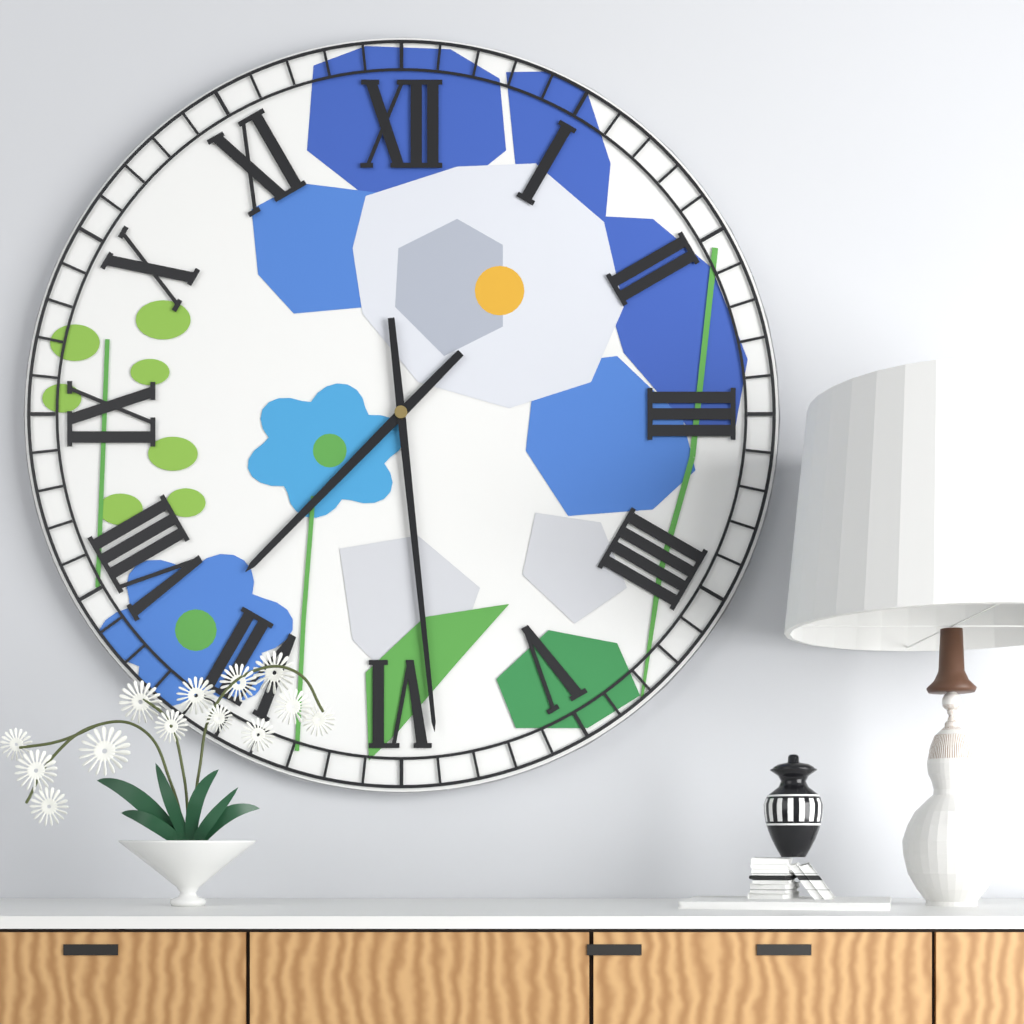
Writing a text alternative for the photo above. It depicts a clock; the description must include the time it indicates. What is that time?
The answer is 7:29
